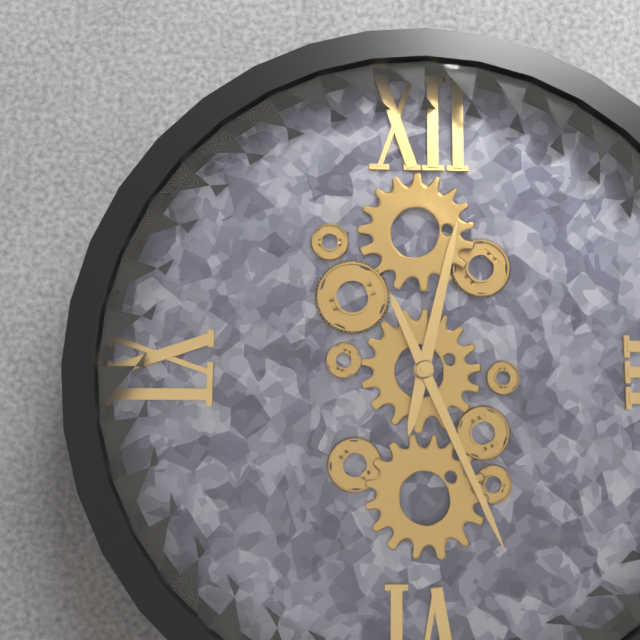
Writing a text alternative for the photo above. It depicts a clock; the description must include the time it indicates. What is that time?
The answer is 12:26
